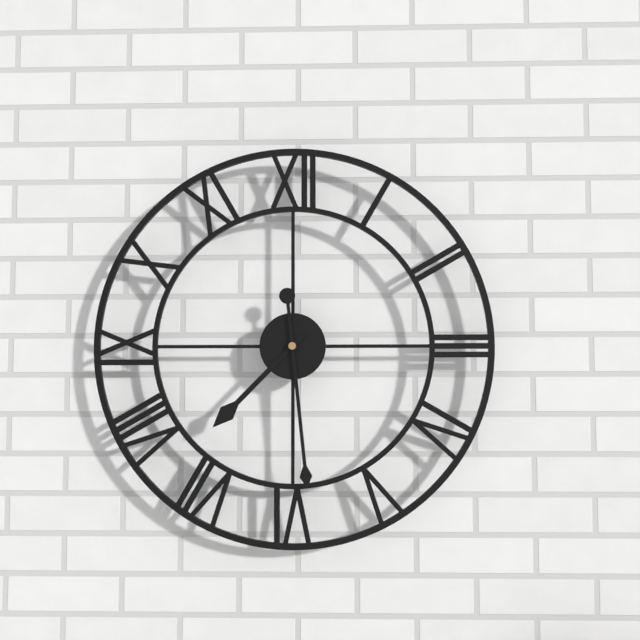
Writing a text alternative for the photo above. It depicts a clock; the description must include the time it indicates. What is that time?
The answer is 7:29
